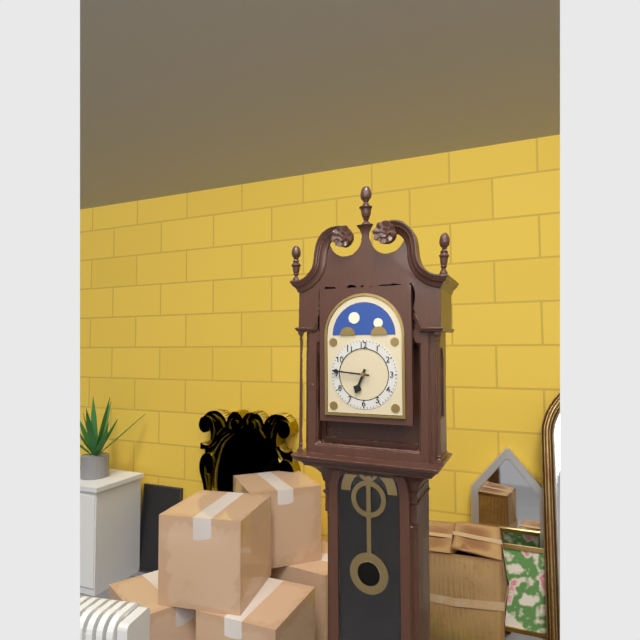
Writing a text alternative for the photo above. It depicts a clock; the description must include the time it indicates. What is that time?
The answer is 6:46
